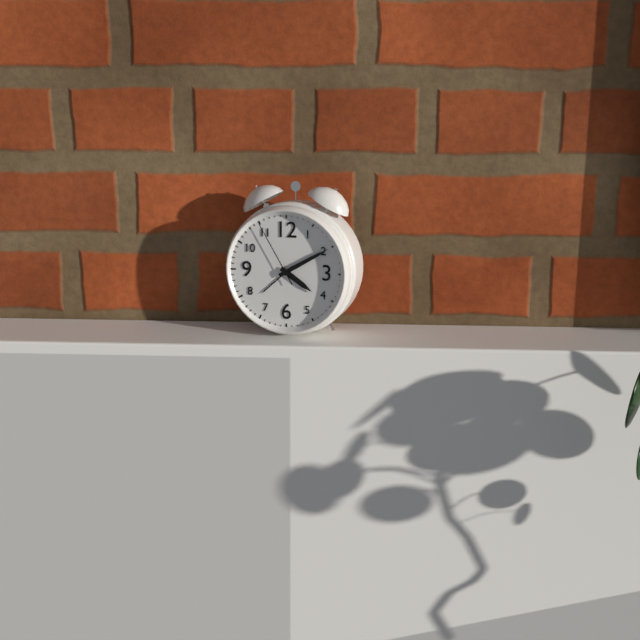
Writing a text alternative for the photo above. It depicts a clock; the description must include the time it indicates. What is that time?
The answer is 4:10:55
